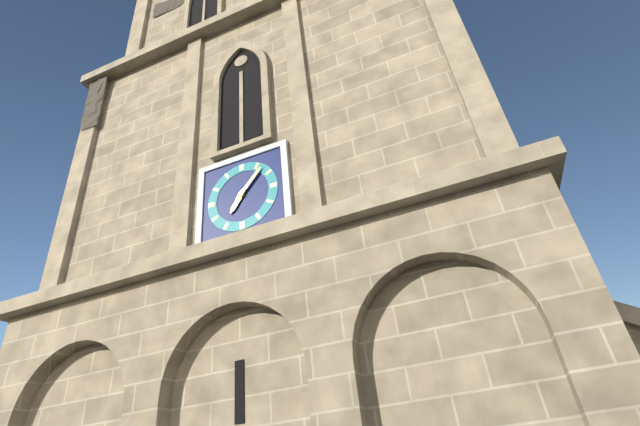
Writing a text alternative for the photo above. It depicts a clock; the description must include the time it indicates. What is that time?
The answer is 7:07
